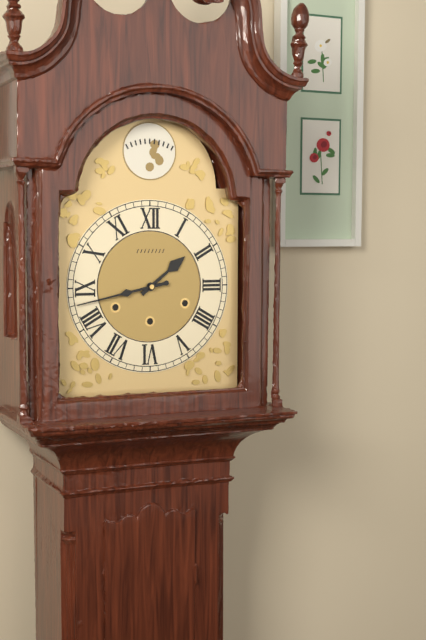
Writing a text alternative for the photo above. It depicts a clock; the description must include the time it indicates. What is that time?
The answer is 1:43
